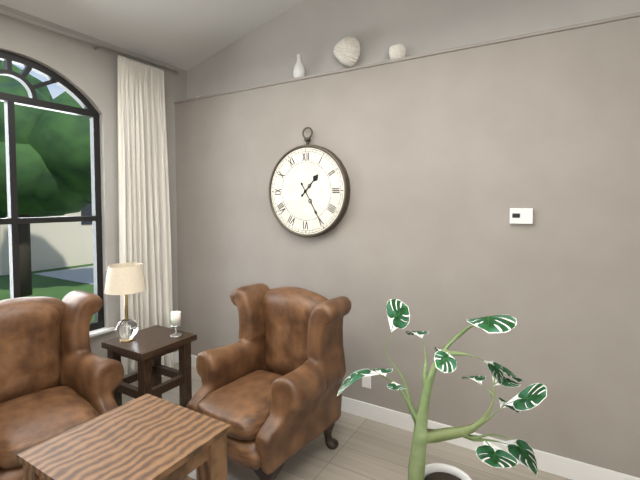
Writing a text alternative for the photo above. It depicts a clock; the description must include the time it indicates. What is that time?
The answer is 1:25
